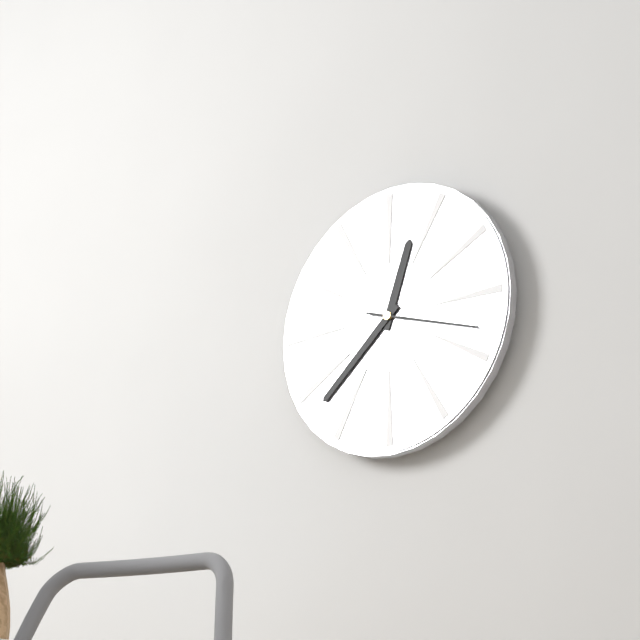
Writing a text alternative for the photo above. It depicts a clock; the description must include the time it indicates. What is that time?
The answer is 12:38:18
